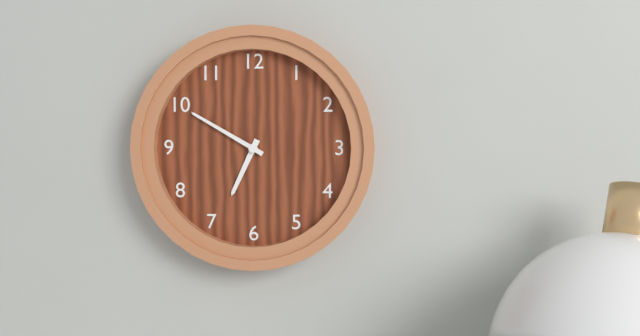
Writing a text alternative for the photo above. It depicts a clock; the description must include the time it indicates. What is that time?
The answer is 6:50
